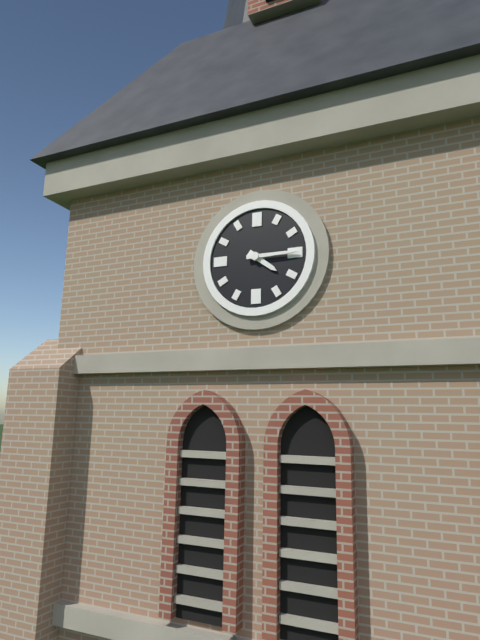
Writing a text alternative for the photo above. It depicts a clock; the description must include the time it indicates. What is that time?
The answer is 4:15
